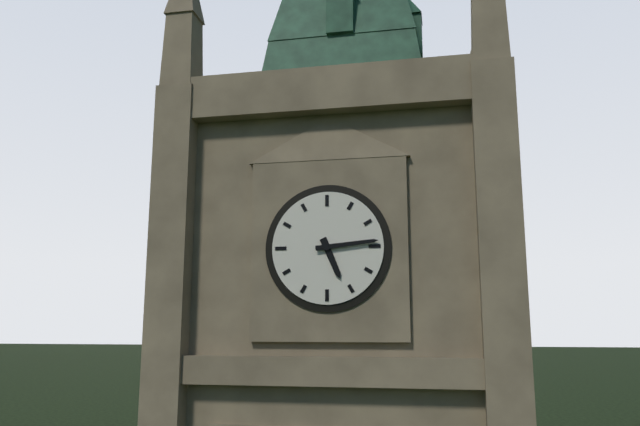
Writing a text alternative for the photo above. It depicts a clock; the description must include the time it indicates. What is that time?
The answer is 5:14
